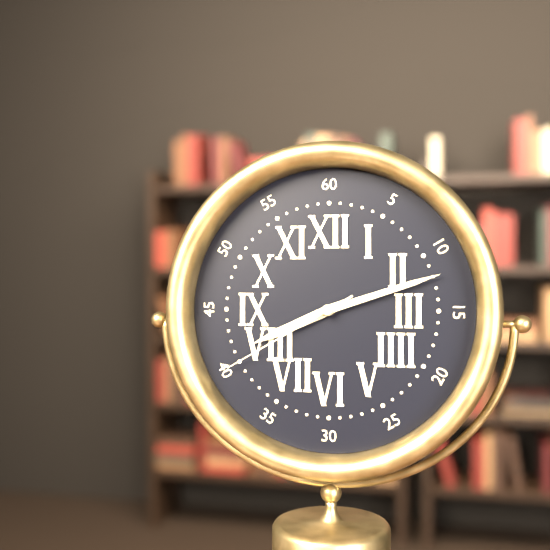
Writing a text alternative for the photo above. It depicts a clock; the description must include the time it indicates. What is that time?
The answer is 8:12:40
